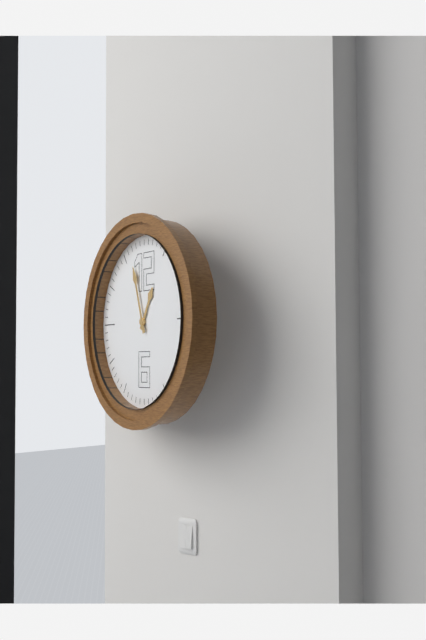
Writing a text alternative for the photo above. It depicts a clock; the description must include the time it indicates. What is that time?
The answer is 12:57
